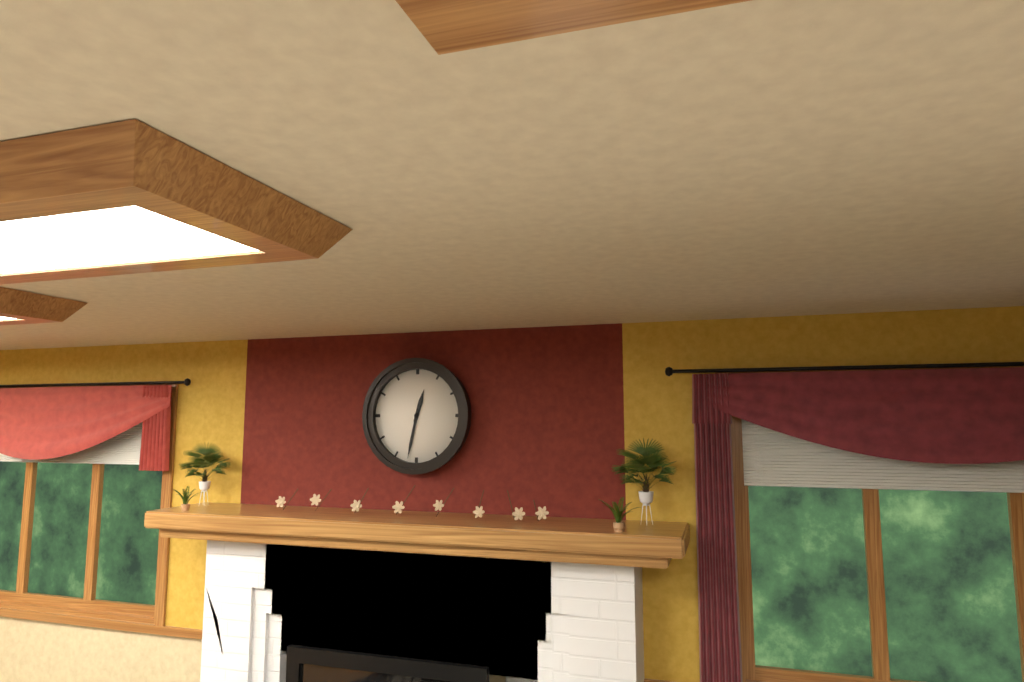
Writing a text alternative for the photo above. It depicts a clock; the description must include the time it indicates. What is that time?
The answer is 12:32
